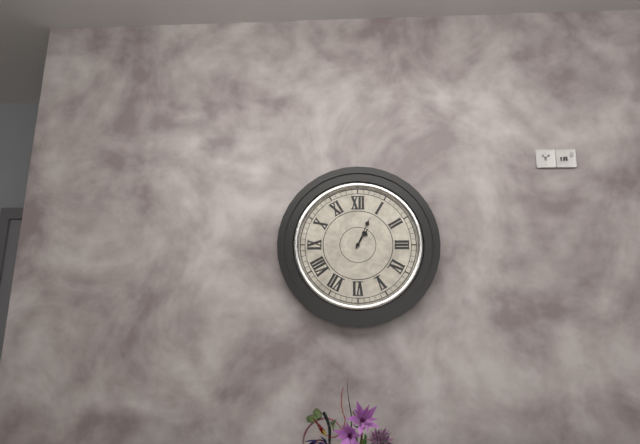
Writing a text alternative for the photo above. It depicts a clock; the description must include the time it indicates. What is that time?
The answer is 1:04
